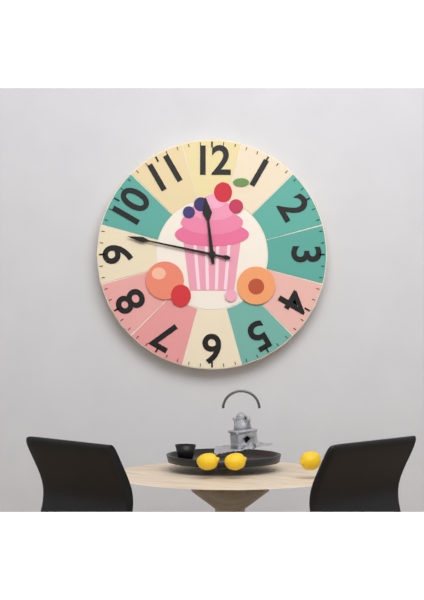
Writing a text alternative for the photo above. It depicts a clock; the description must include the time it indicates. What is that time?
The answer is 11:47
